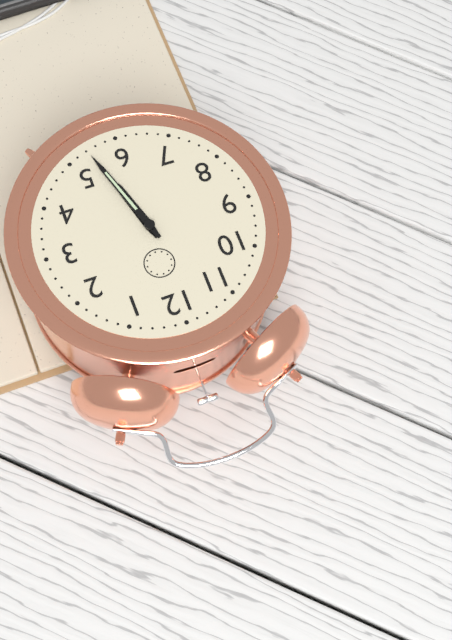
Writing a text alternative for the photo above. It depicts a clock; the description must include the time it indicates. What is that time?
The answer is 5:27
